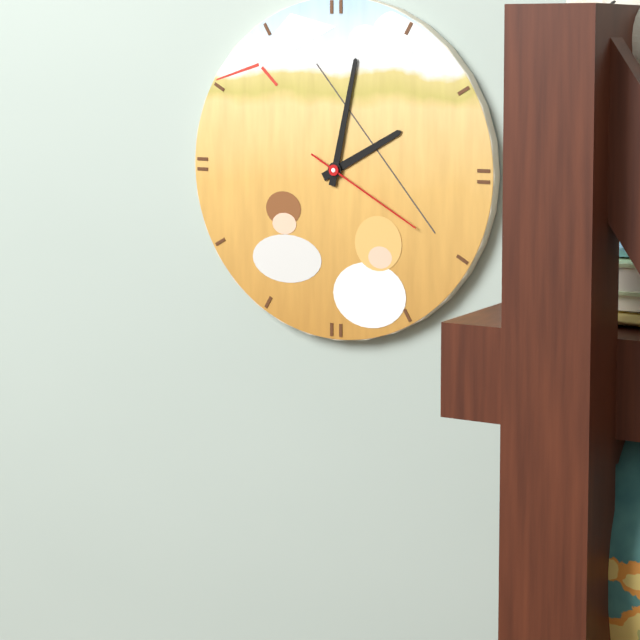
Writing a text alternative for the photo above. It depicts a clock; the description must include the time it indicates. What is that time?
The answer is 2:02:20
